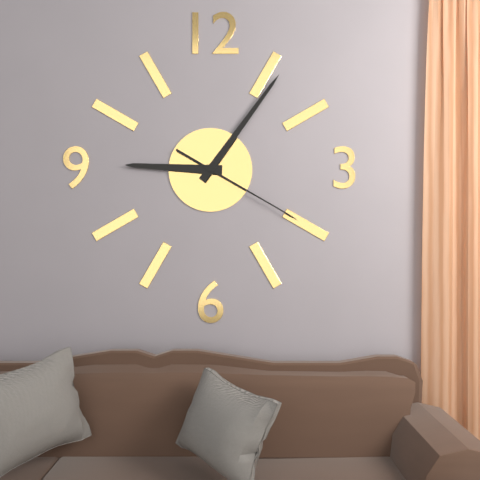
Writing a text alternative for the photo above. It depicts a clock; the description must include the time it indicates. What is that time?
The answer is 9:06:20
